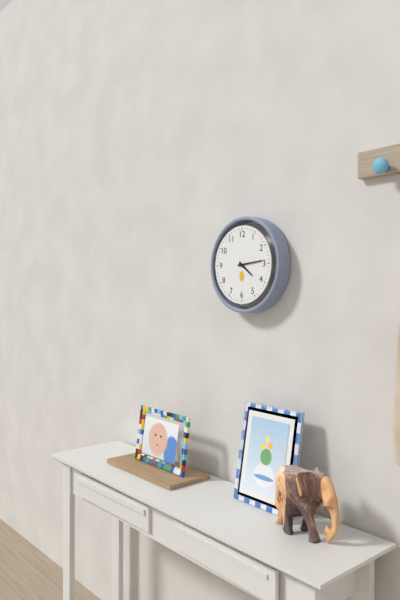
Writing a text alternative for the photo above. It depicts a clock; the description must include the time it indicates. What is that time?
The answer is 4:14
